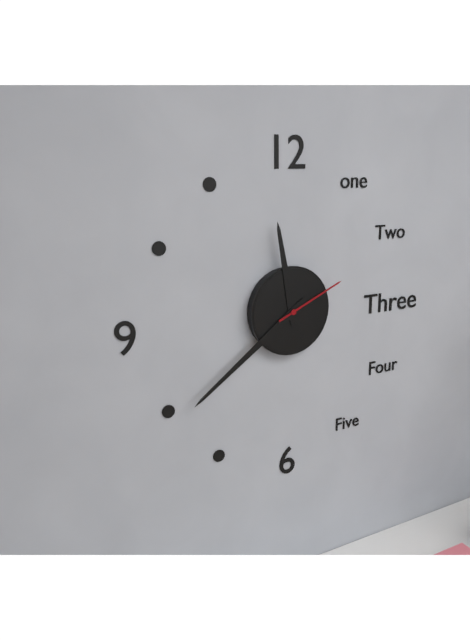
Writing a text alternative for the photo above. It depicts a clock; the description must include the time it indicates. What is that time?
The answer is 11:39:11
